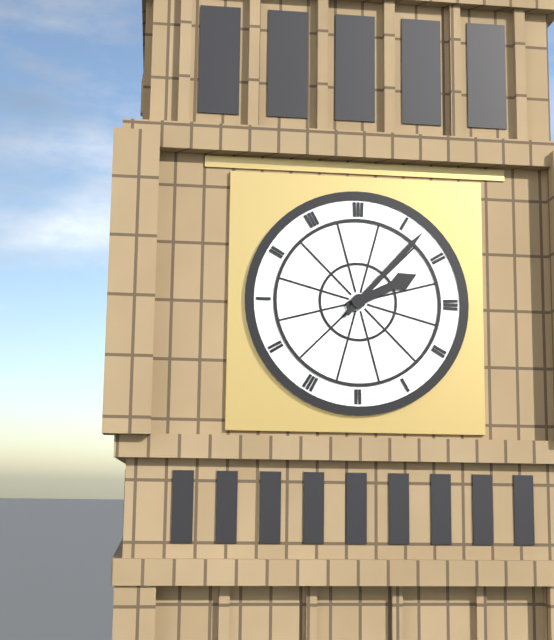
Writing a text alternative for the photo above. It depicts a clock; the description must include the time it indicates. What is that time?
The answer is 2:07
